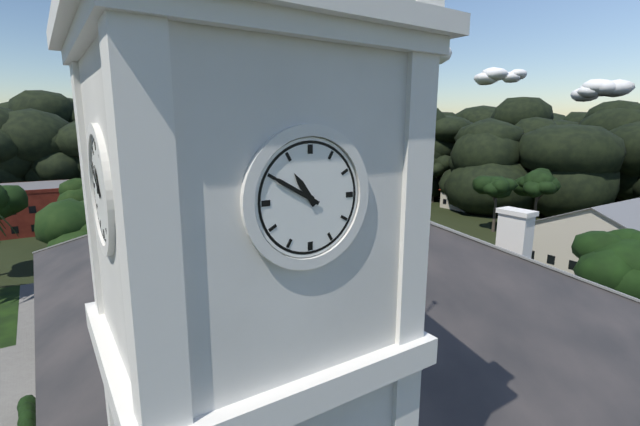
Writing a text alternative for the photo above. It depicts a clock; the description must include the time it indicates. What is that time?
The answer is 10:50
